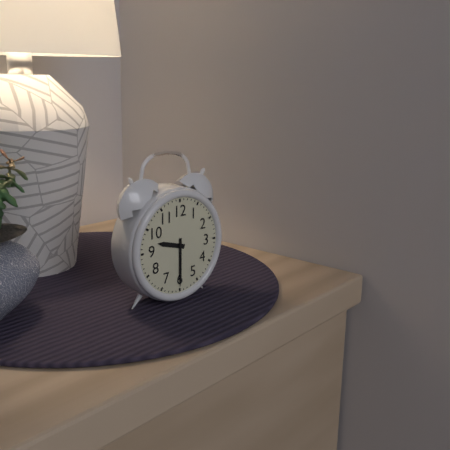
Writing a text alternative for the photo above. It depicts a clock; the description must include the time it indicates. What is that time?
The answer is 9:30
